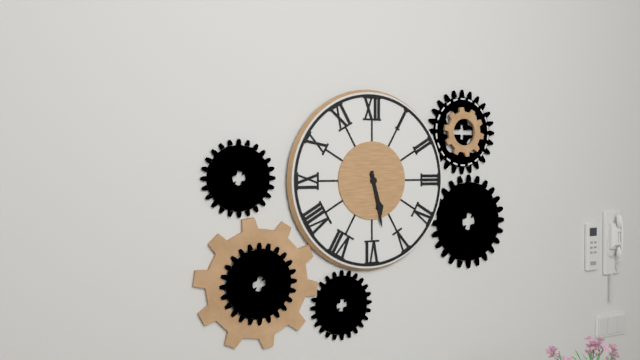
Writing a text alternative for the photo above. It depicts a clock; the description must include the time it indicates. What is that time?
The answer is 5:28
